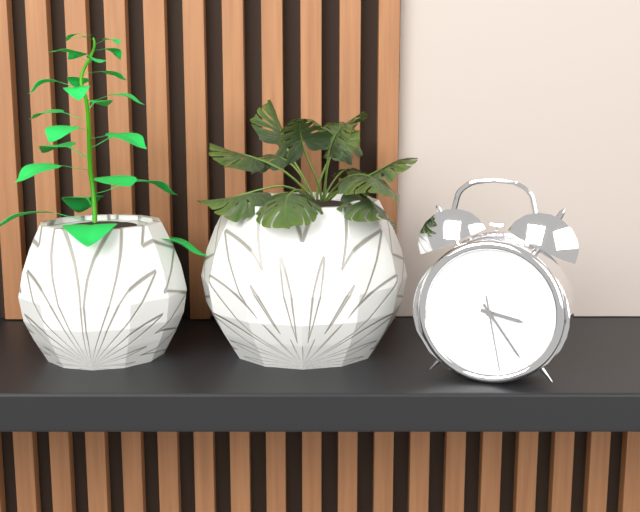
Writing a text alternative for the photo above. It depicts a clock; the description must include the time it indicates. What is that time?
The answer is 3:24:28
